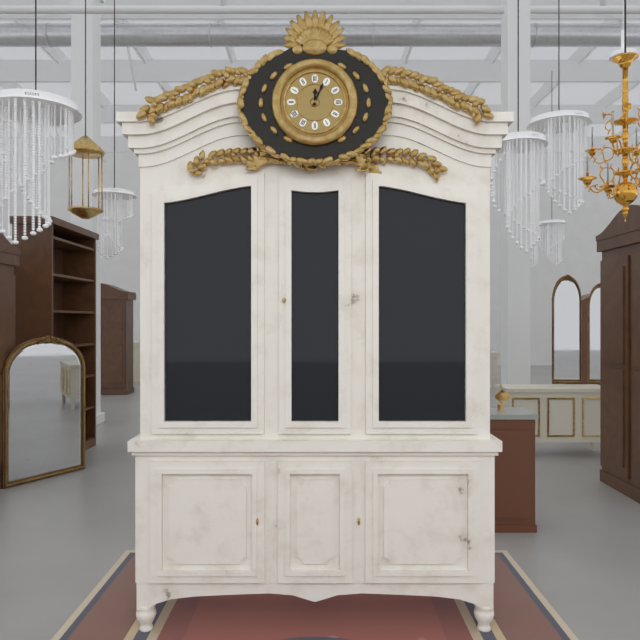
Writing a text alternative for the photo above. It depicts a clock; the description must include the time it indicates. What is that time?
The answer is 12:04
